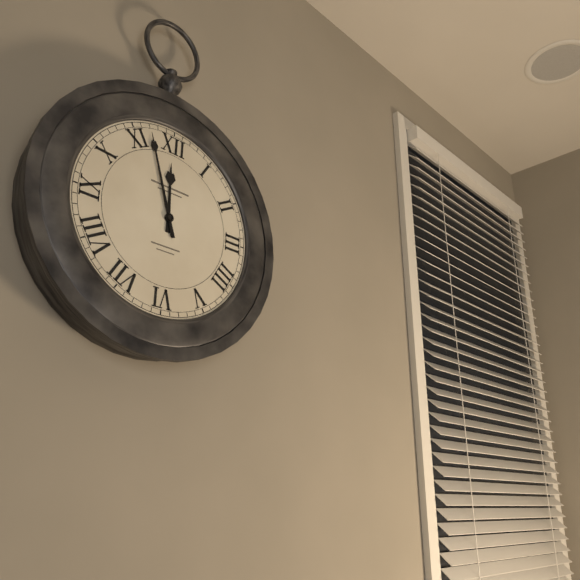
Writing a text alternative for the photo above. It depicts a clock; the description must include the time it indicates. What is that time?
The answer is 11:57
